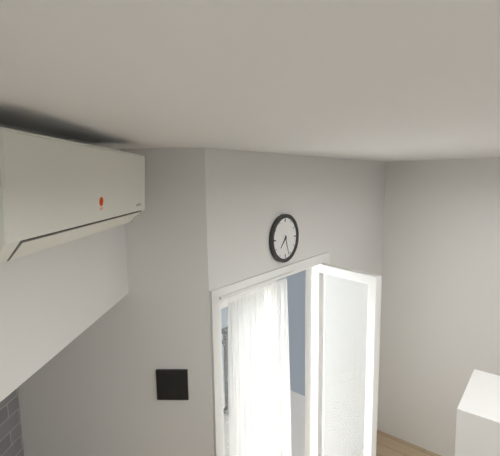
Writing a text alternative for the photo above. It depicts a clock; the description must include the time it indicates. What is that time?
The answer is 7:27
